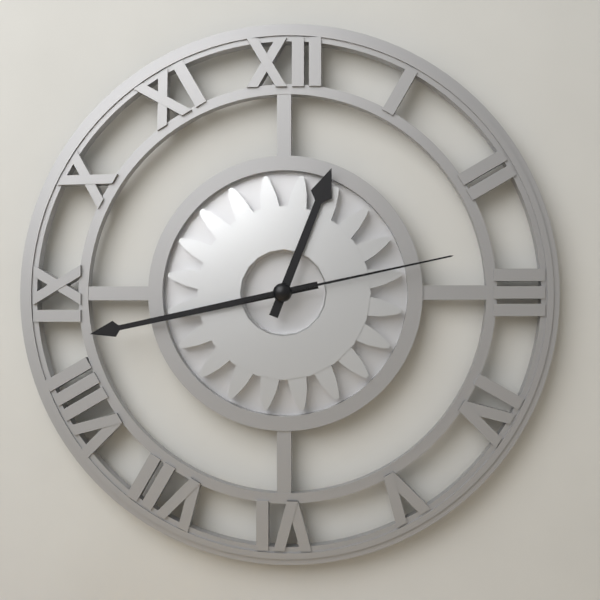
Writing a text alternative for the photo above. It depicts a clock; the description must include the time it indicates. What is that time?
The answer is 12:43:13
